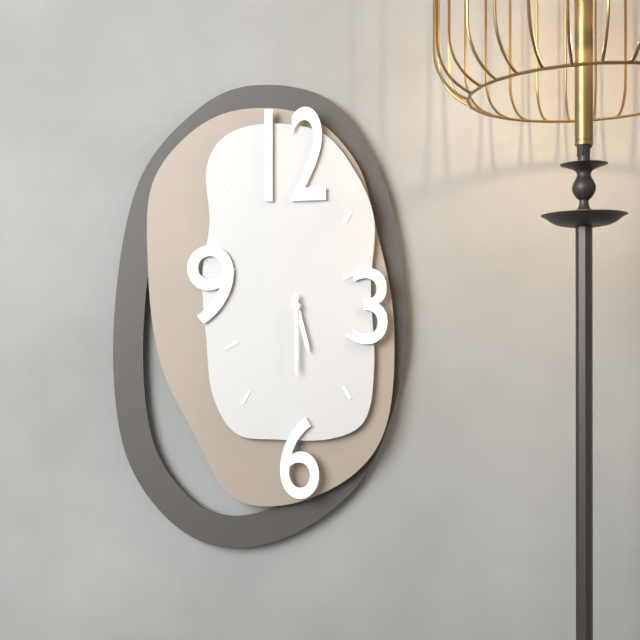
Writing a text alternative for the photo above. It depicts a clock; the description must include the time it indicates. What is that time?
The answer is 5:30
